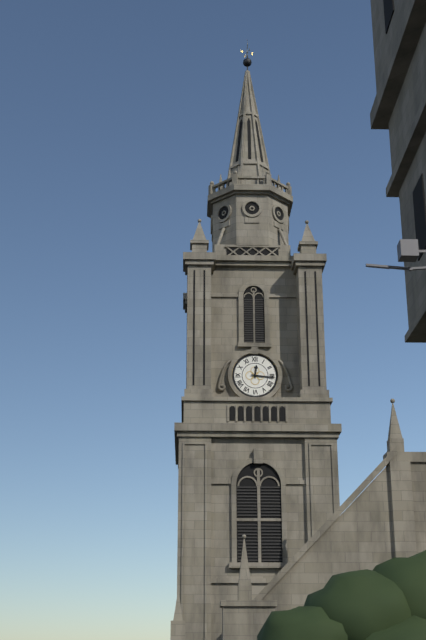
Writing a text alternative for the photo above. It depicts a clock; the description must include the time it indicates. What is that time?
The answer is 12:16
